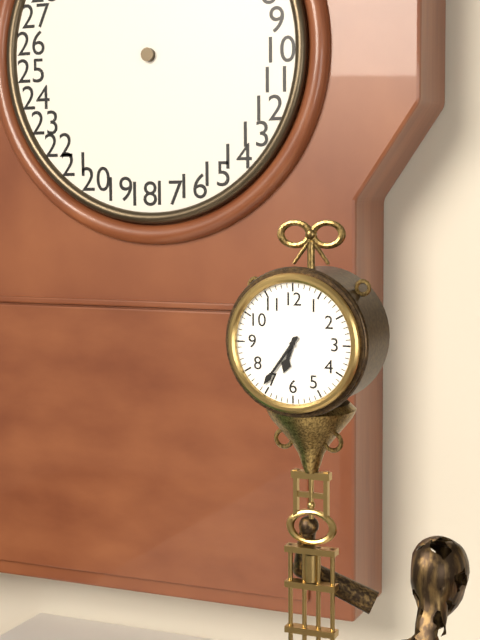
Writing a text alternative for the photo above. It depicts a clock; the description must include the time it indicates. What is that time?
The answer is 6:36
